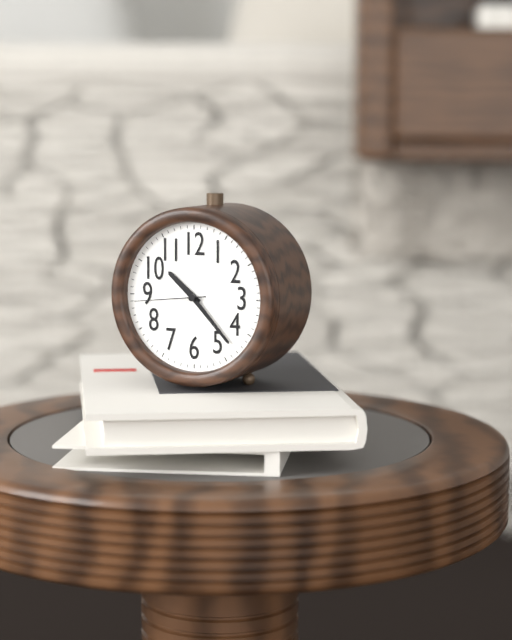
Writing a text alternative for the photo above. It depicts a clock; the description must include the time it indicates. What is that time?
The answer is 10:23:44
